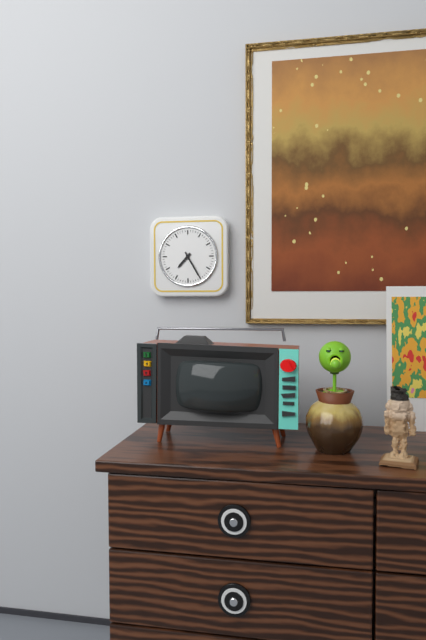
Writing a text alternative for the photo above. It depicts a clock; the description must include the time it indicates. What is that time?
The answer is 7:25
